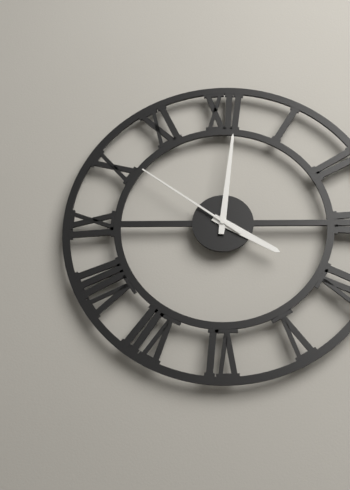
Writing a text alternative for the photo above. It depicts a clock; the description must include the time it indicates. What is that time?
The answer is 4:01:51
